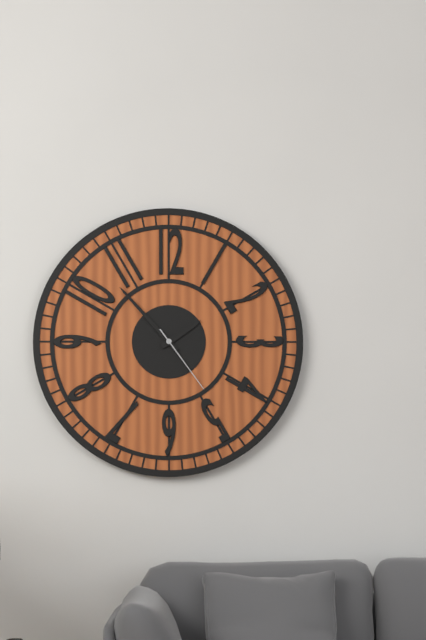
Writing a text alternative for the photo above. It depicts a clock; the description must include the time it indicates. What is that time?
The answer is 1:53:24
